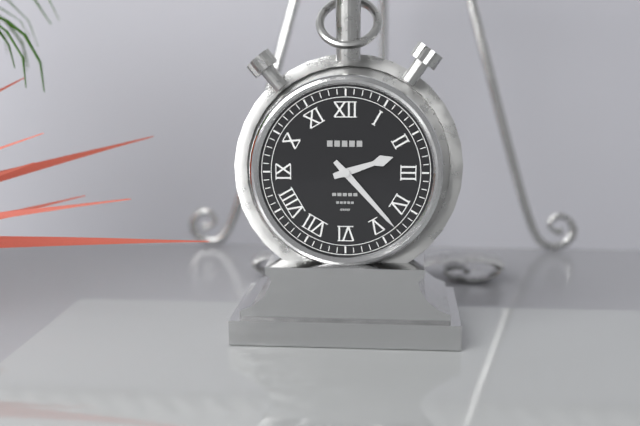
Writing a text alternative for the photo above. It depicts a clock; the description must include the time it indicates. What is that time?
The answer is 2:23
